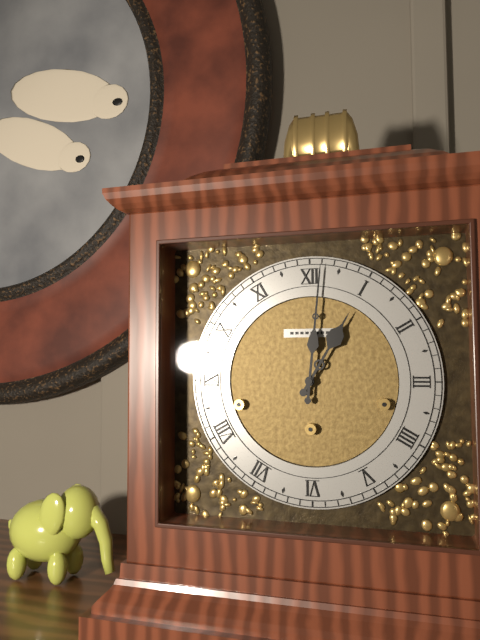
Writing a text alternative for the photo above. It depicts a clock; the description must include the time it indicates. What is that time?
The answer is 1:01
